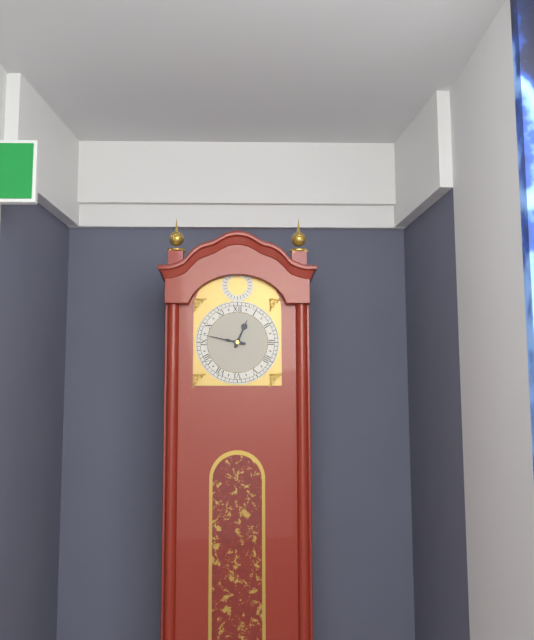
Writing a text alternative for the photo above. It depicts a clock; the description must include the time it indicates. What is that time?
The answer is 12:47
